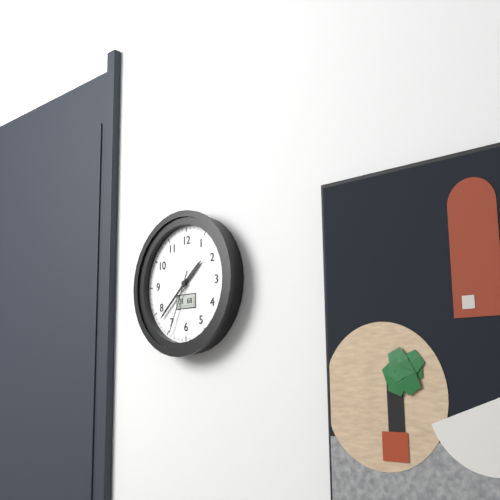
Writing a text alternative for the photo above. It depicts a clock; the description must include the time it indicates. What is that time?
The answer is 1:38:34
